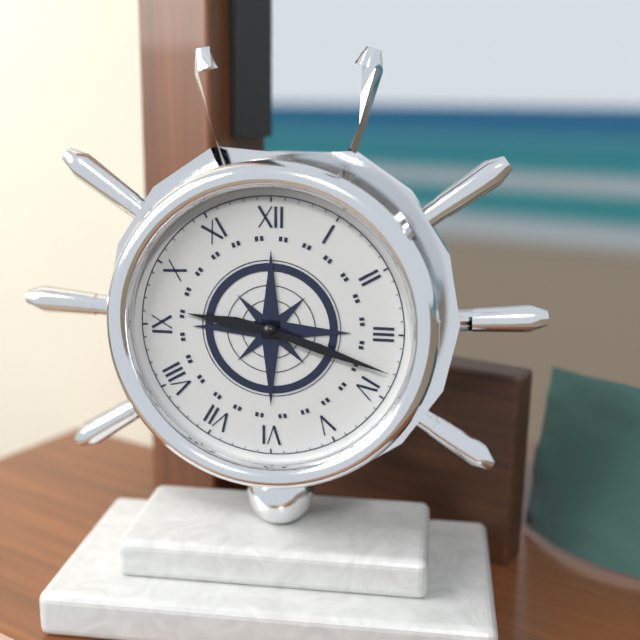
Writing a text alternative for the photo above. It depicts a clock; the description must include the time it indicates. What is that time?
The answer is 9:18
